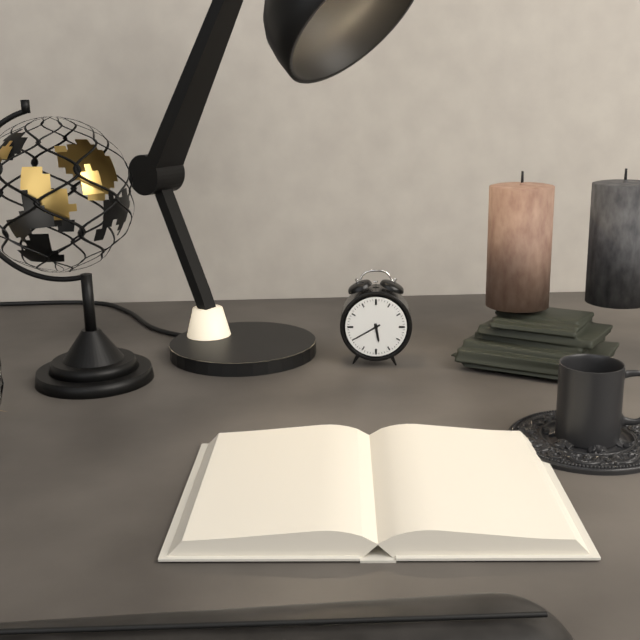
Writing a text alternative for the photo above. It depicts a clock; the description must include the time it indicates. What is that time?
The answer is 5:40
